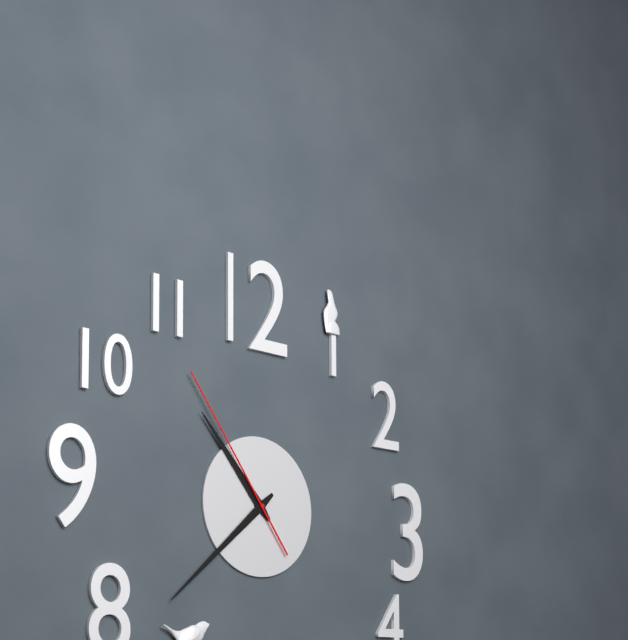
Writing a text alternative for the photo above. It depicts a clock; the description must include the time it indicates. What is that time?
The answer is 10:38:54
